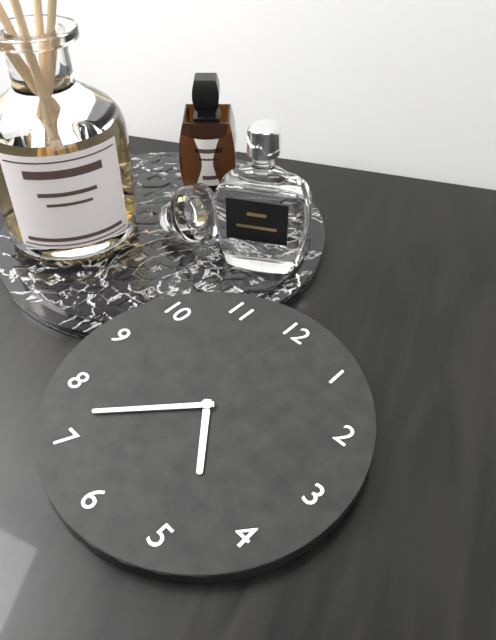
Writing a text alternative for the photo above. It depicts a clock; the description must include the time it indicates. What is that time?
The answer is 4:37
